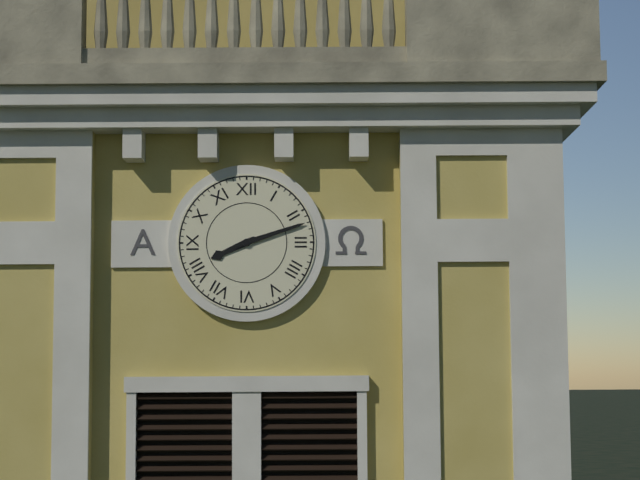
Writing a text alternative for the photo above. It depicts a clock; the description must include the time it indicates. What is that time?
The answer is 8:12
